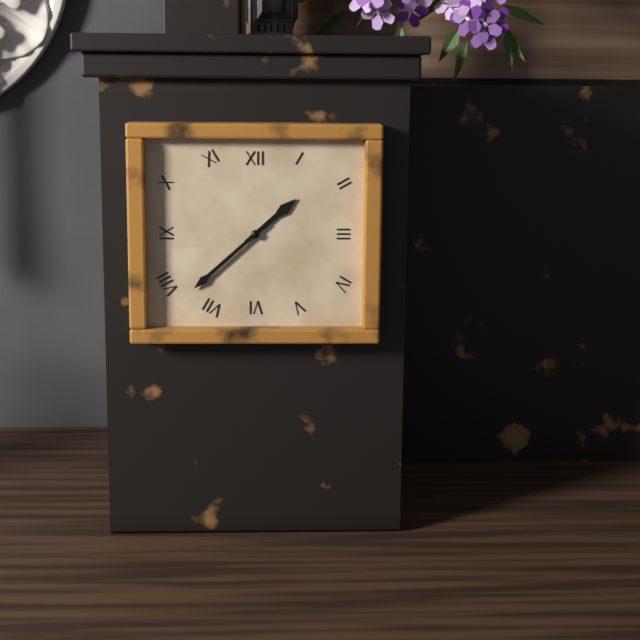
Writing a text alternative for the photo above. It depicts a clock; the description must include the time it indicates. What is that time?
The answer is 1:38
